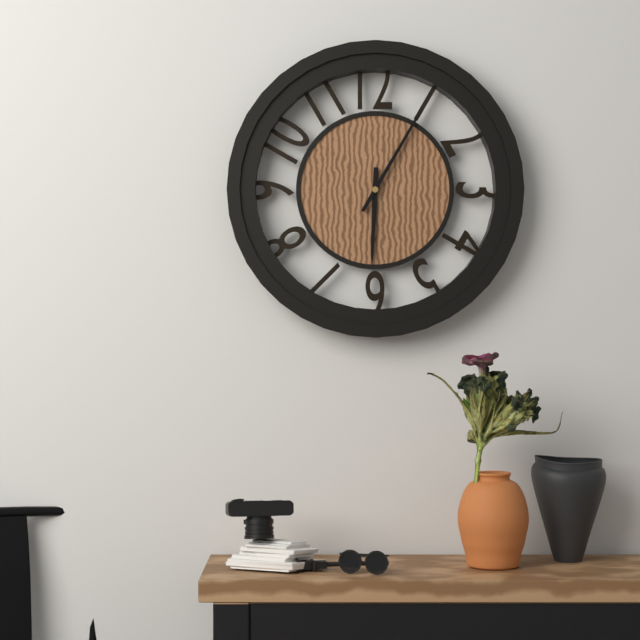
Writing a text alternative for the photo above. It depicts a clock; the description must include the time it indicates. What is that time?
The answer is 6:05
